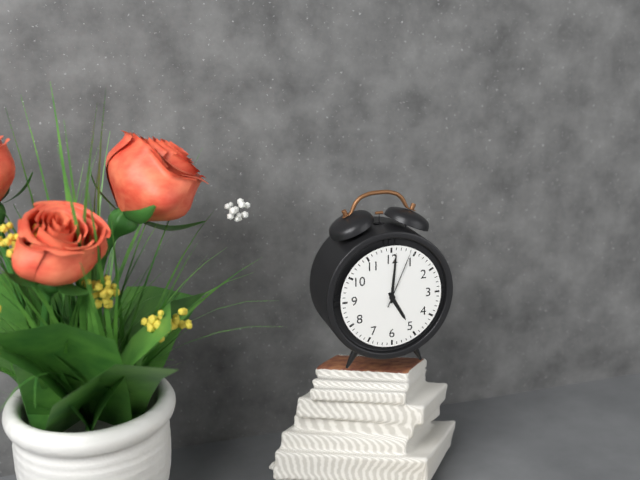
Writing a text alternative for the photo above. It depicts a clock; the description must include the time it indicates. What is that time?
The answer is 5:01:04
